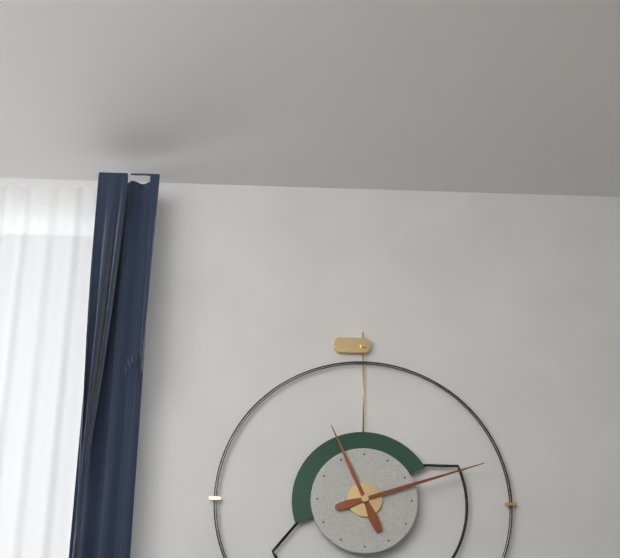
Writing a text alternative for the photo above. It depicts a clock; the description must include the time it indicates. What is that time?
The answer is 11:12
